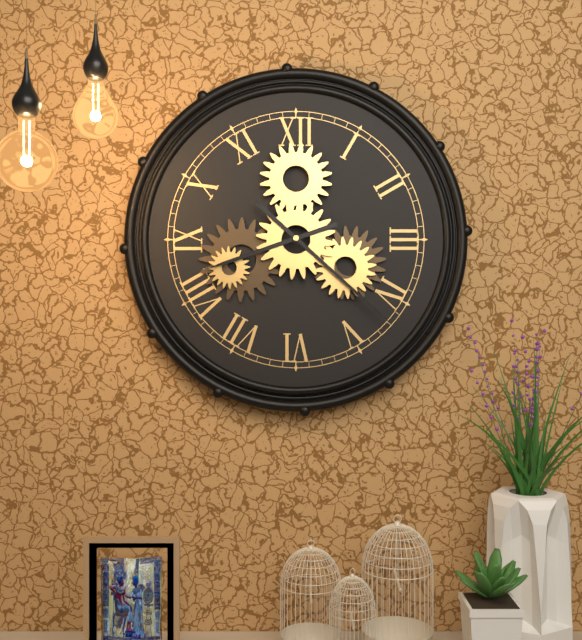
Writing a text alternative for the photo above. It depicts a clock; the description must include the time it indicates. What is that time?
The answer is 8:22
